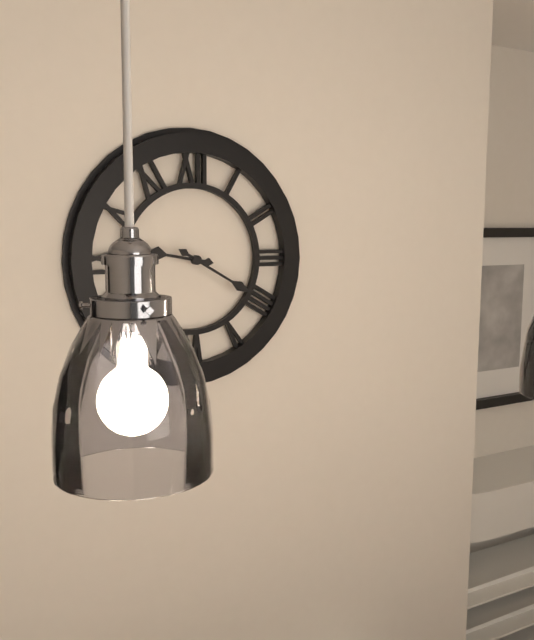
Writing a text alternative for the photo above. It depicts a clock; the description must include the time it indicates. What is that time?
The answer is 9:20
